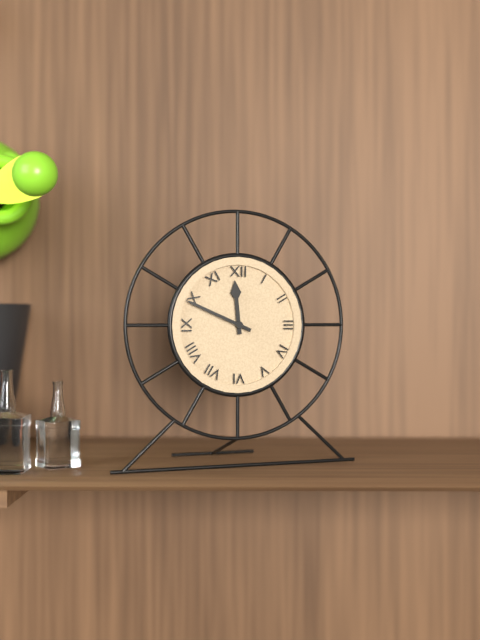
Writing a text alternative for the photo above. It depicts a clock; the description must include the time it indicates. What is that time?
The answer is 11:49
